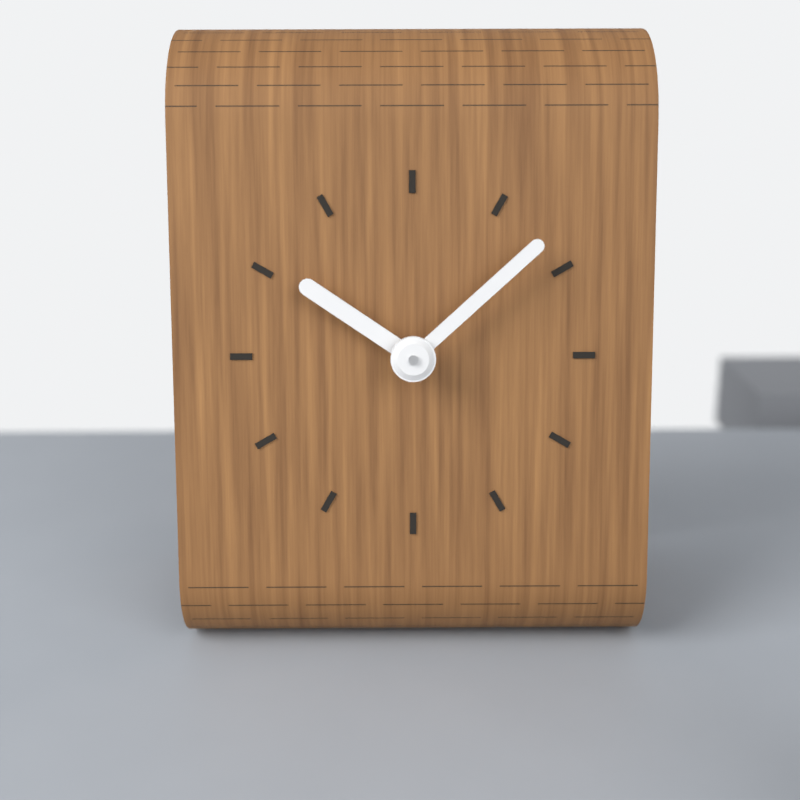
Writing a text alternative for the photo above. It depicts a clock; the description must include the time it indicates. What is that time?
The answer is 10:08
